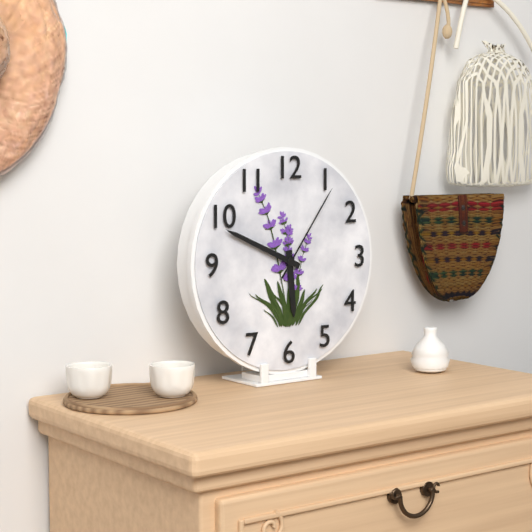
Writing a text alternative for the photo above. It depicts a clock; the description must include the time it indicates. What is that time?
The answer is 5:49:06
